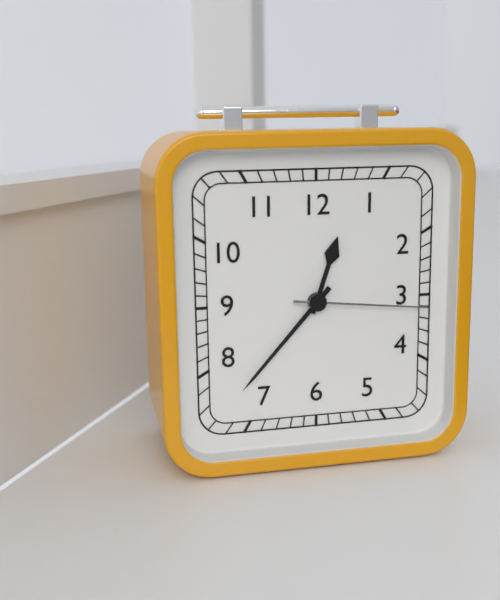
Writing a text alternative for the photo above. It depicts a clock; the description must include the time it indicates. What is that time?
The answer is 12:37:16
